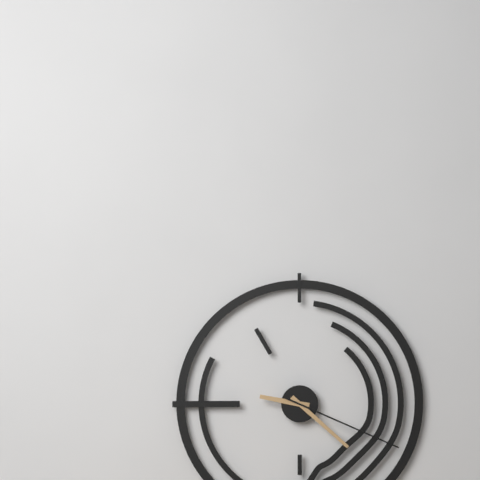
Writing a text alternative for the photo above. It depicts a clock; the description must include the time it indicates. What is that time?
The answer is 9:22:19
